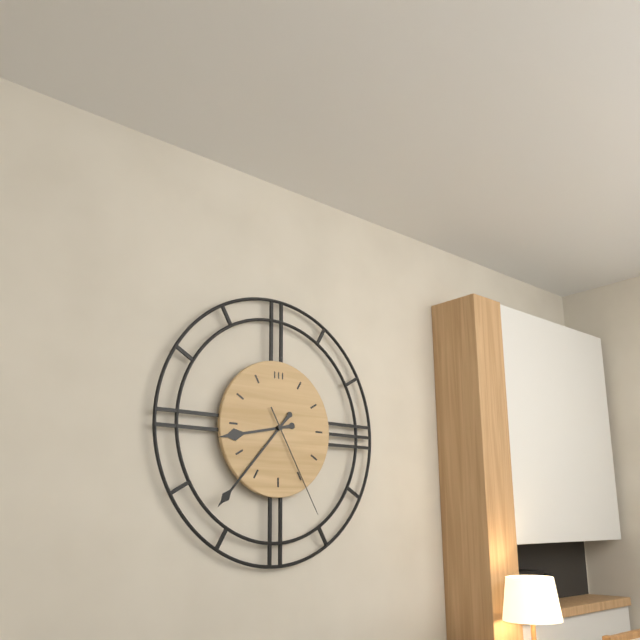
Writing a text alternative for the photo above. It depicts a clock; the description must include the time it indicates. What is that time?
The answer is 8:37:25
